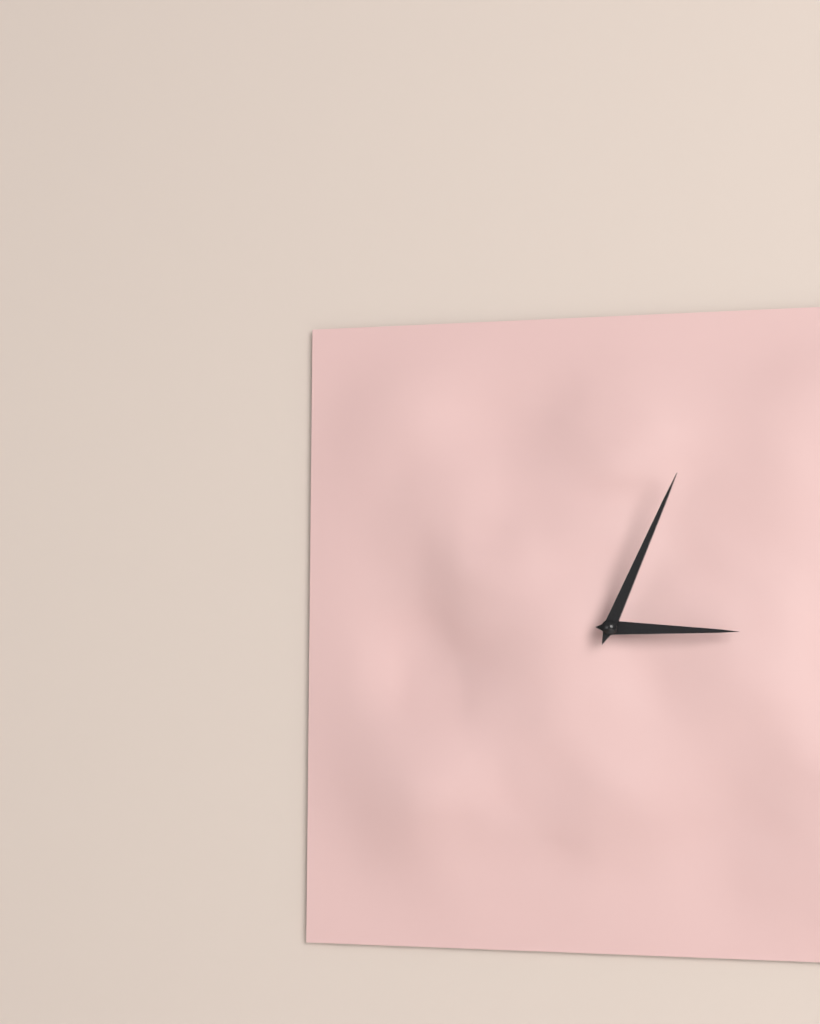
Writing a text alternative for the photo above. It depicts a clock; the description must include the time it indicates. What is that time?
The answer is 3:04
